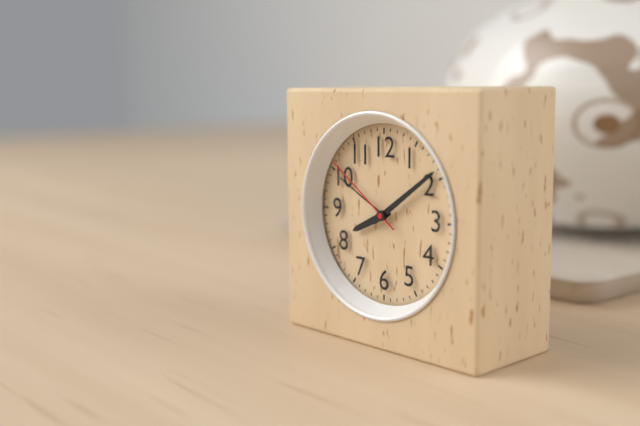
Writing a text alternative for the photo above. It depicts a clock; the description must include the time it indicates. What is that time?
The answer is 8:09:51
